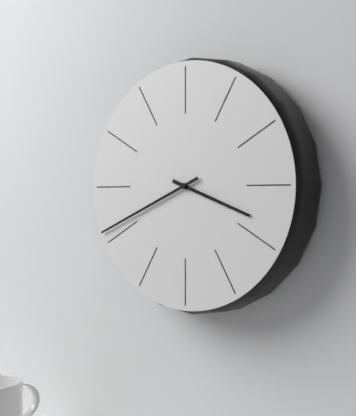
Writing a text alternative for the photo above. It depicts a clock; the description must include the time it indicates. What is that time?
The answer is 3:41
